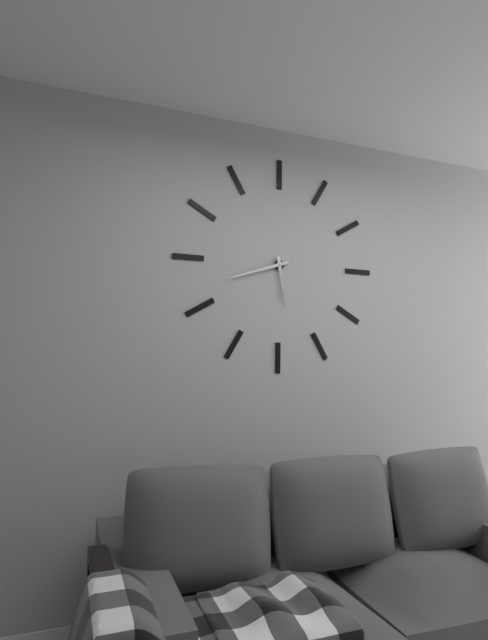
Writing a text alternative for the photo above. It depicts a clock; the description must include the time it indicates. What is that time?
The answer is 5:42
